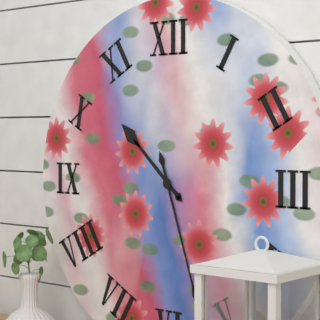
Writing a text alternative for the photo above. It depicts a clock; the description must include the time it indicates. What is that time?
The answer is 10:27
